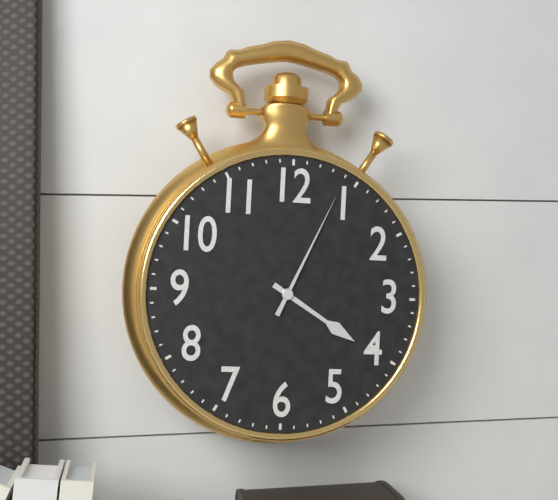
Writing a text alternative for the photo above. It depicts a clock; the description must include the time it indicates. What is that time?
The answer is 4:04
